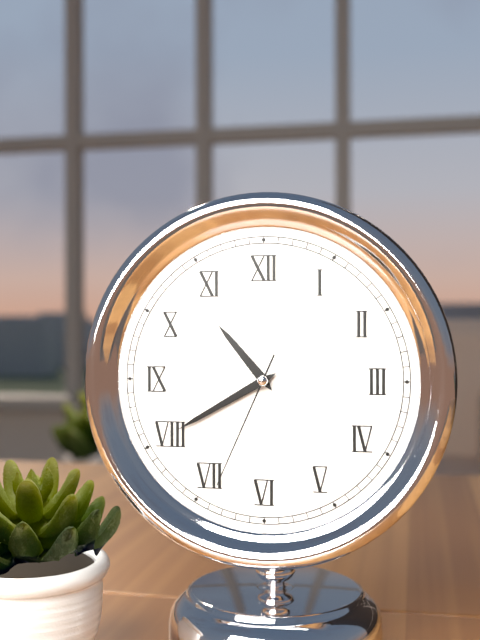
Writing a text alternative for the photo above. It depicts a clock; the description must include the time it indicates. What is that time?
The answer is 10:40:34
